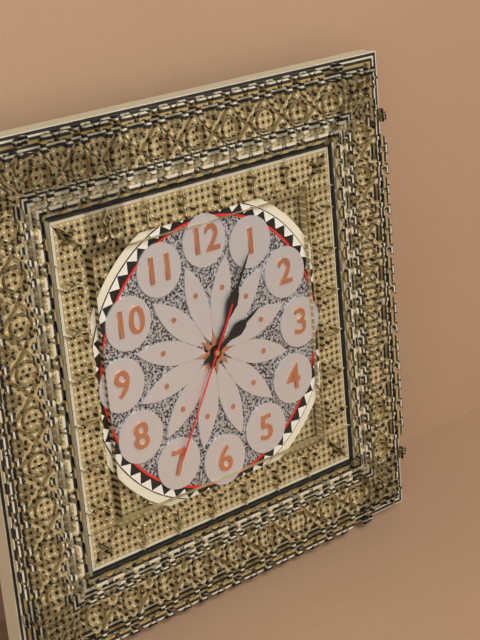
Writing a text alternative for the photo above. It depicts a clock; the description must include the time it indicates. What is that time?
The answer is 2:05:35
